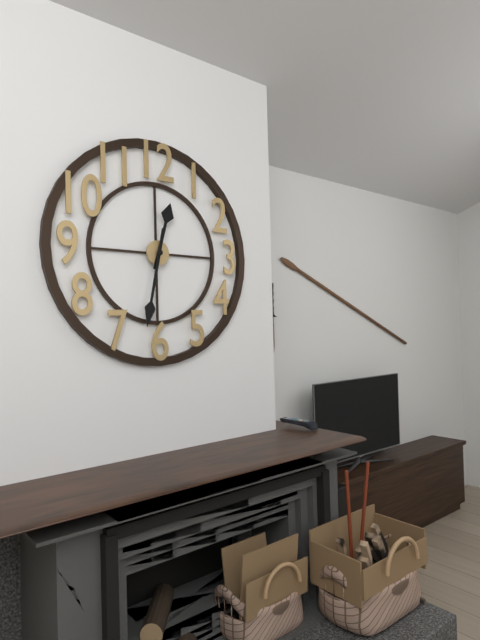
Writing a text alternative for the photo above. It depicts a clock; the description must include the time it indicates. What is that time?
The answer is 12:32
